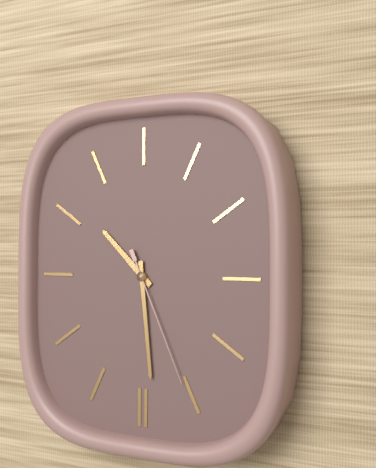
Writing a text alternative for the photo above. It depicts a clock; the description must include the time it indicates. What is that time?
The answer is 10:29:26
